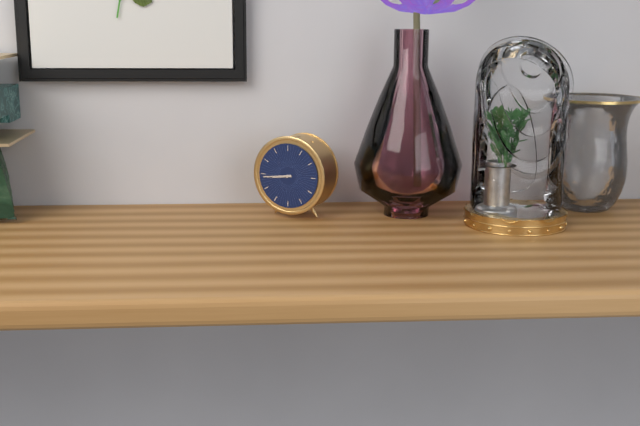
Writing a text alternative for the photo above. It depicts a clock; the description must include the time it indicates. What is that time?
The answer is 8:44
